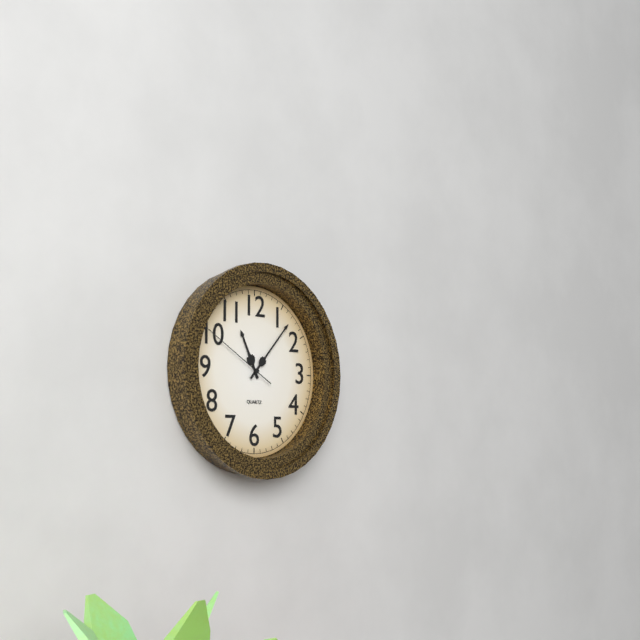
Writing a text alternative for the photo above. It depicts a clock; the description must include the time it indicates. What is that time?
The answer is 11:07:50
